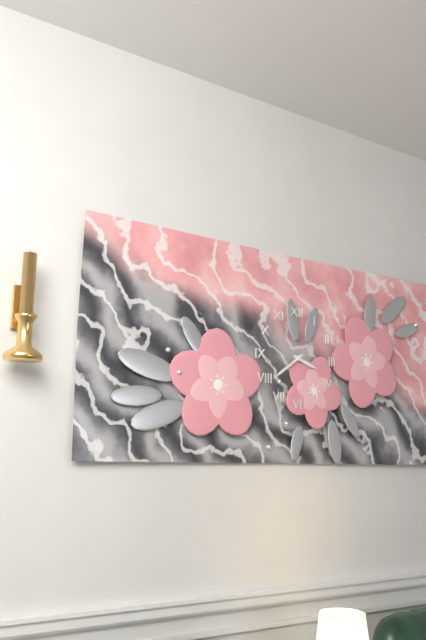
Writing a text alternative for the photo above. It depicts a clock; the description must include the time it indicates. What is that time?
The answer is 3:39
